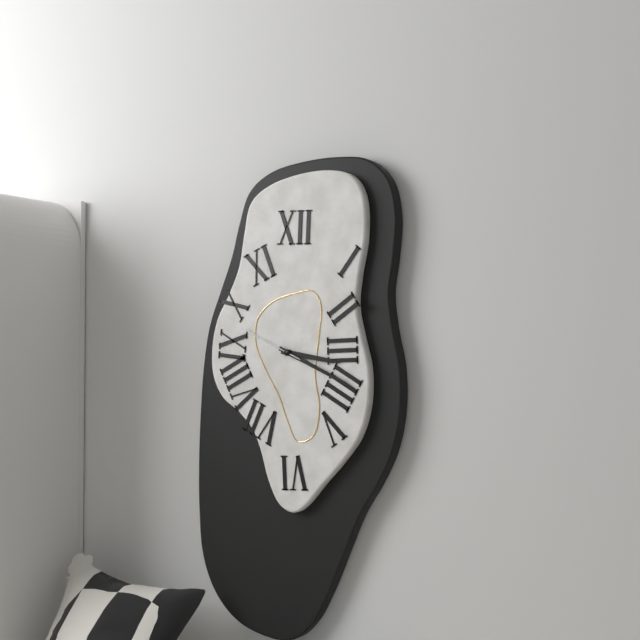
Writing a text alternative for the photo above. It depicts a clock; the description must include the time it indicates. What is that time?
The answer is 3:19:49
